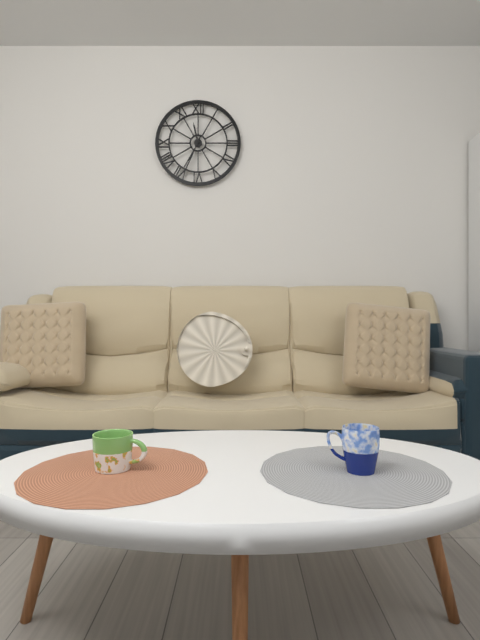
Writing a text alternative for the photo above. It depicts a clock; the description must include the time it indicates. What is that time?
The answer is 11:34
